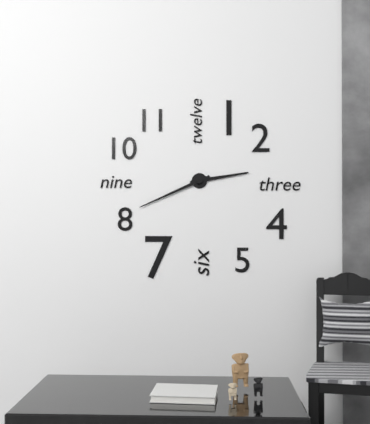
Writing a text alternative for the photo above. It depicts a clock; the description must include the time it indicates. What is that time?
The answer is 2:41
